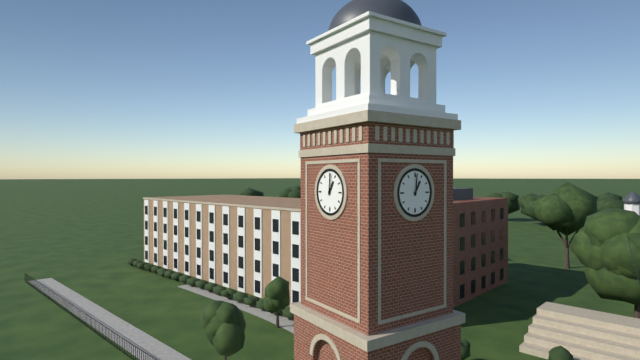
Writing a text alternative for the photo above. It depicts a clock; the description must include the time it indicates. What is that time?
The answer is 1:01
